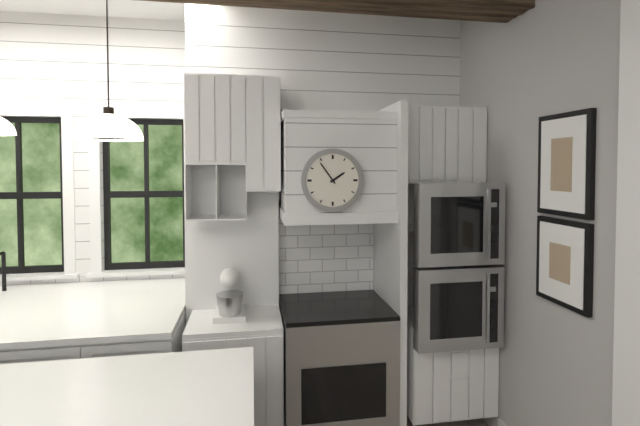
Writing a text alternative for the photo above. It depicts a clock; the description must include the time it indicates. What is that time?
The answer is 1:54
